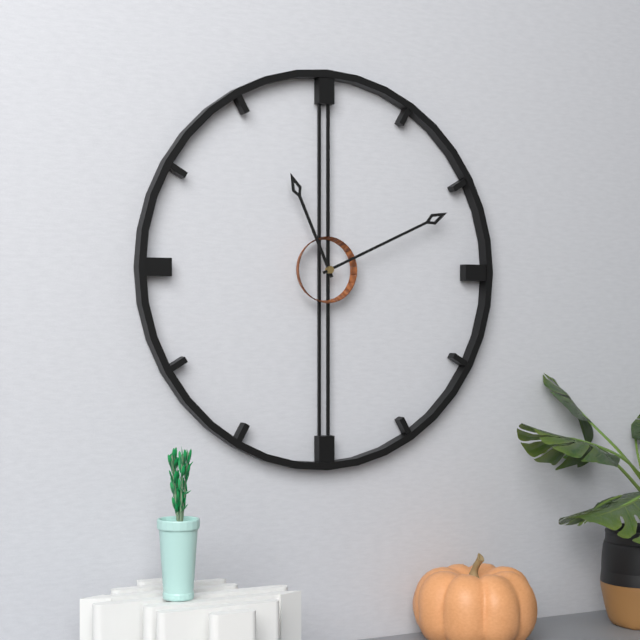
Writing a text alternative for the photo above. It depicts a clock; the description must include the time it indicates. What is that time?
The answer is 11:11
